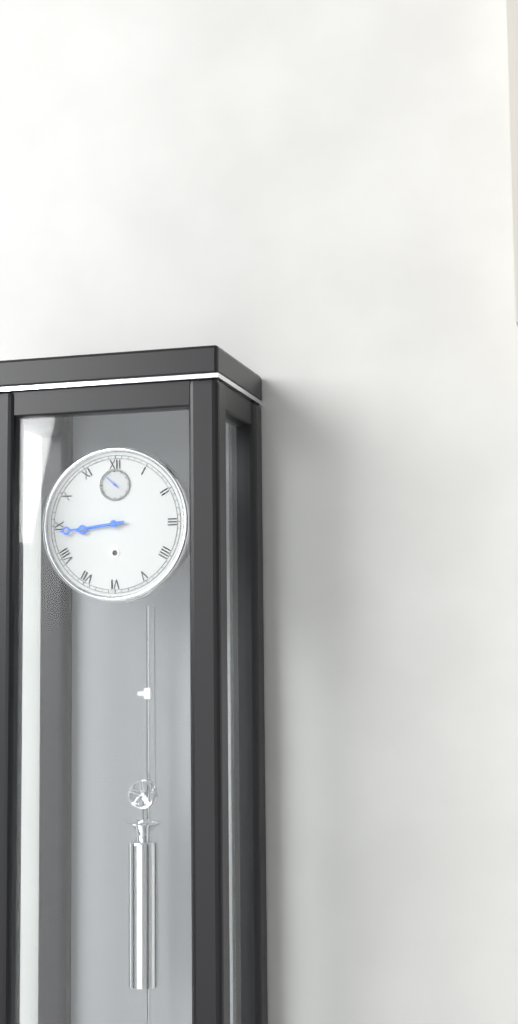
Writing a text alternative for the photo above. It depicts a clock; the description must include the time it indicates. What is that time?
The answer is 8:44
